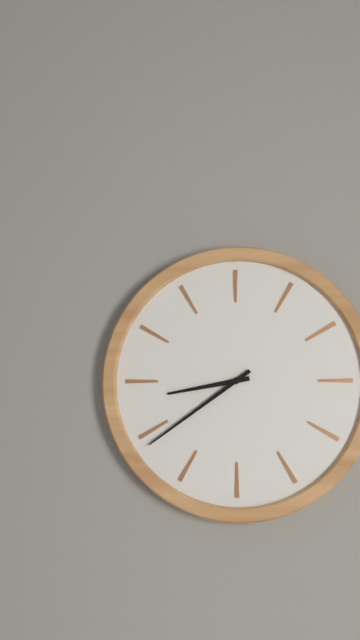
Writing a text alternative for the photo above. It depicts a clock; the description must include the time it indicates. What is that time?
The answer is 8:39
